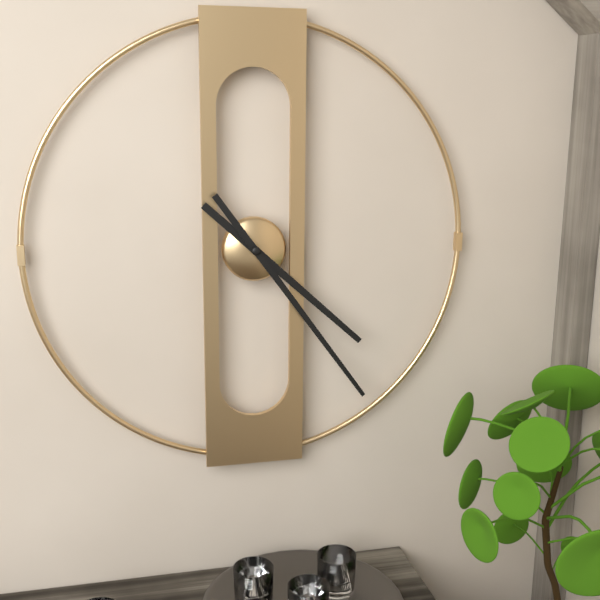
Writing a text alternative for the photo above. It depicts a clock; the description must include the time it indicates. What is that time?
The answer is 4:24
